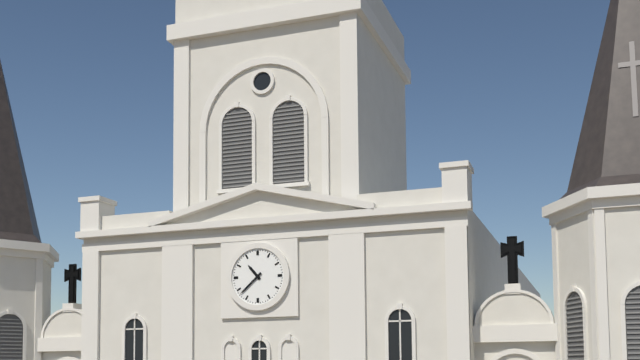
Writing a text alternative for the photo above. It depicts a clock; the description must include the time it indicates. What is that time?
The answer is 10:38
